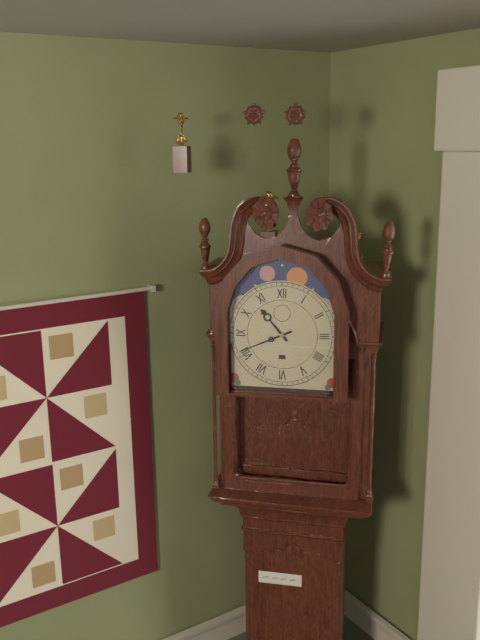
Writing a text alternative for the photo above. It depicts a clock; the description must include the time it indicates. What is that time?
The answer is 10:41
